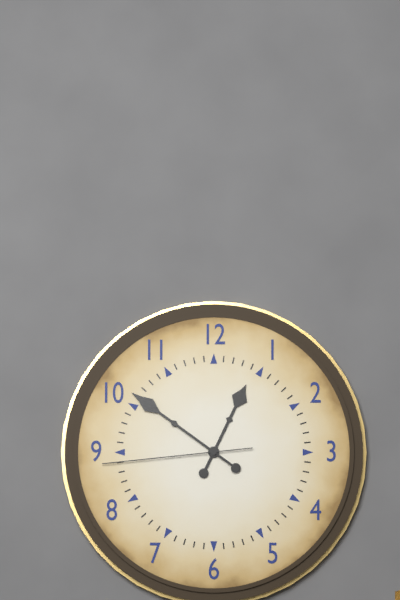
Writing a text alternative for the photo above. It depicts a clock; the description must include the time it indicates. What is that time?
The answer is 12:51:44
